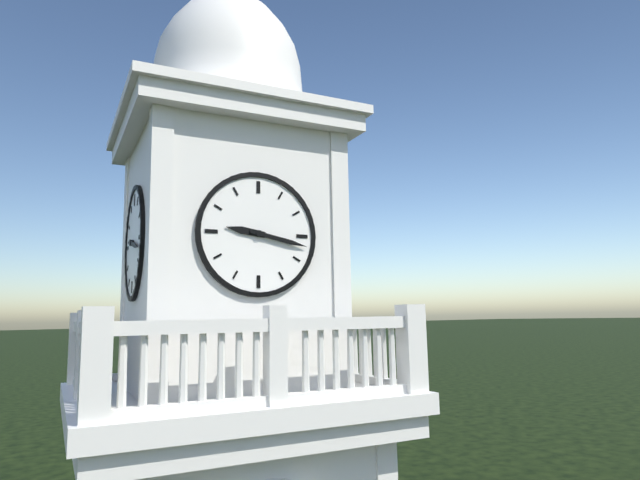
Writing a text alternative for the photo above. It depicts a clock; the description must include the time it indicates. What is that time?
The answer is 9:17
